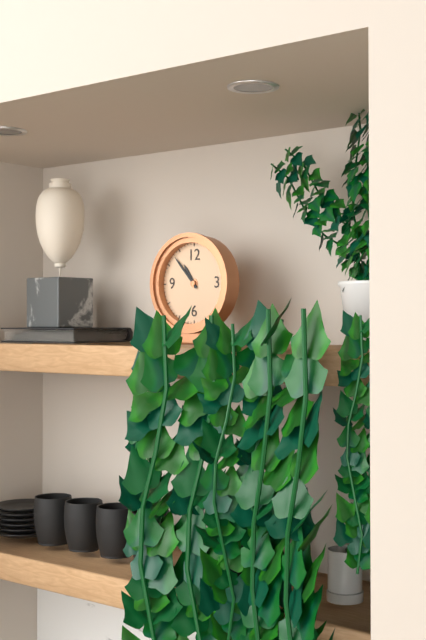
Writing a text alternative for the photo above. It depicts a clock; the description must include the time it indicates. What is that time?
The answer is 10:53
